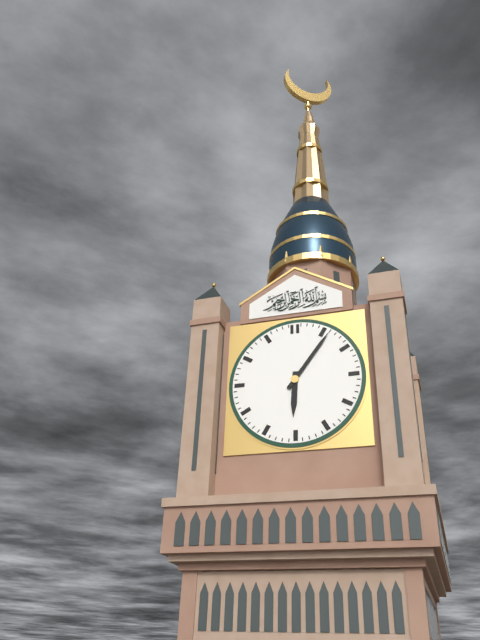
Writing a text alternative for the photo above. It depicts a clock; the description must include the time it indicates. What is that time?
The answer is 6:06
